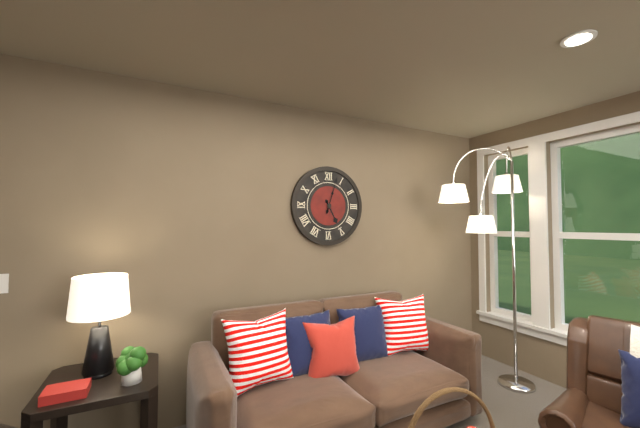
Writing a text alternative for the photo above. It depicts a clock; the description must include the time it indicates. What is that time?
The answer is 5:03
